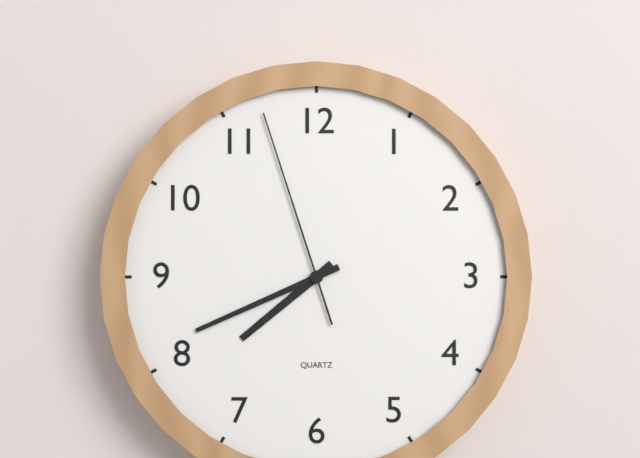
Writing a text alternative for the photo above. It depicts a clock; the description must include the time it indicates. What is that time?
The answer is 7:41:57
